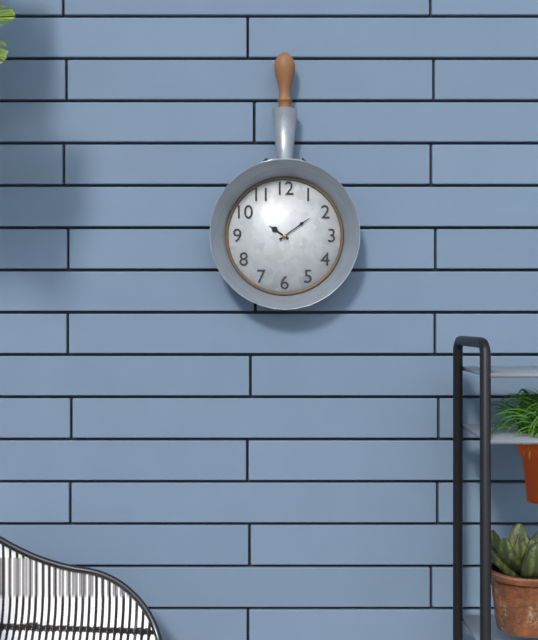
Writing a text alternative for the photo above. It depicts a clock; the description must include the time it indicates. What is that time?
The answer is 10:09
